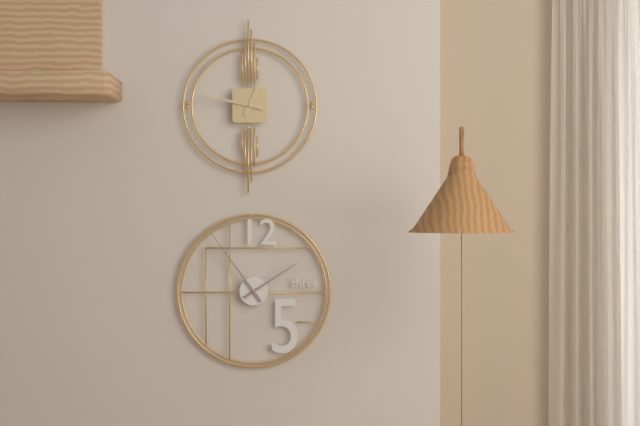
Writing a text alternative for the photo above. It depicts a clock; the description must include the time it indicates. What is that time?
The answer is 12:47
